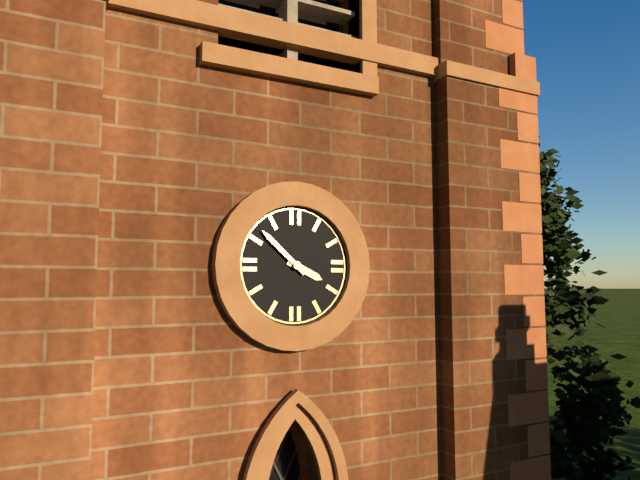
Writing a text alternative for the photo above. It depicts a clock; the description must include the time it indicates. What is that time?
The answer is 3:52
